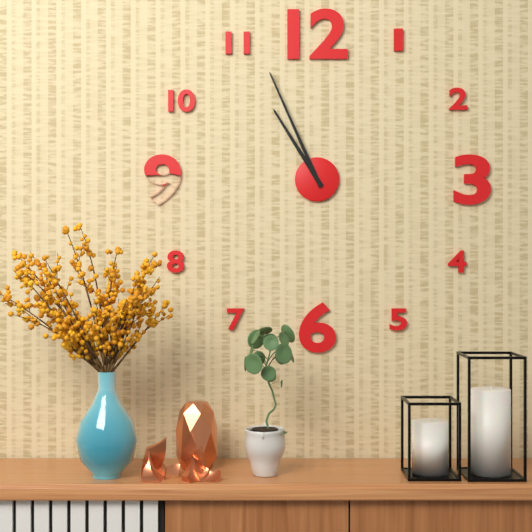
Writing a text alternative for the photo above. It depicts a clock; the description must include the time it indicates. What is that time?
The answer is 10:56
